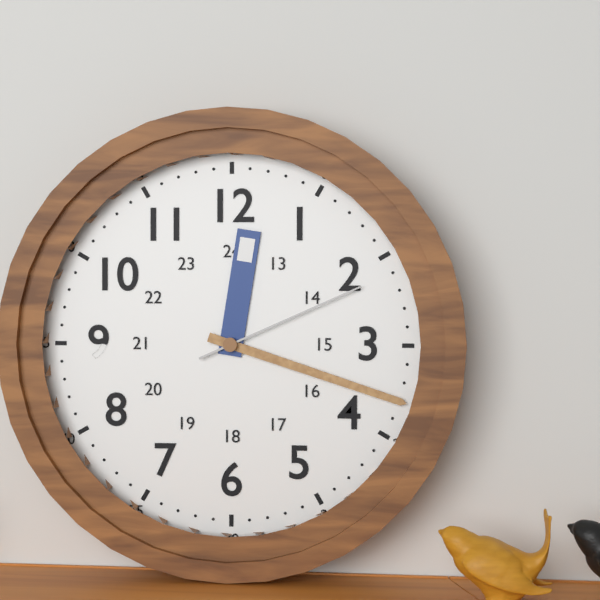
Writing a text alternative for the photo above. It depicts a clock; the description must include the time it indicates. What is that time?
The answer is 12:18:11
